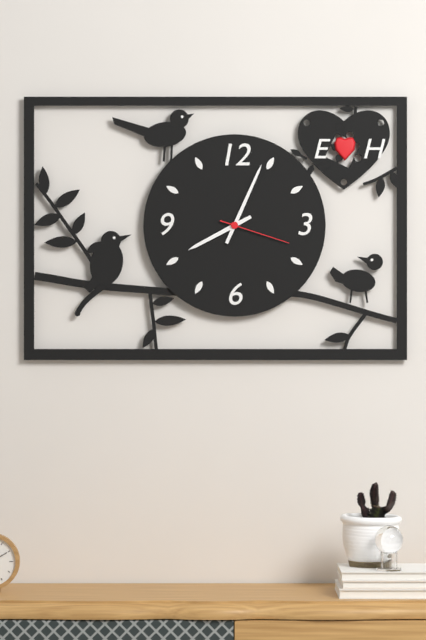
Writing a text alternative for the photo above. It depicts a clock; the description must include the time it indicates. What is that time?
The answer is 8:04:18
